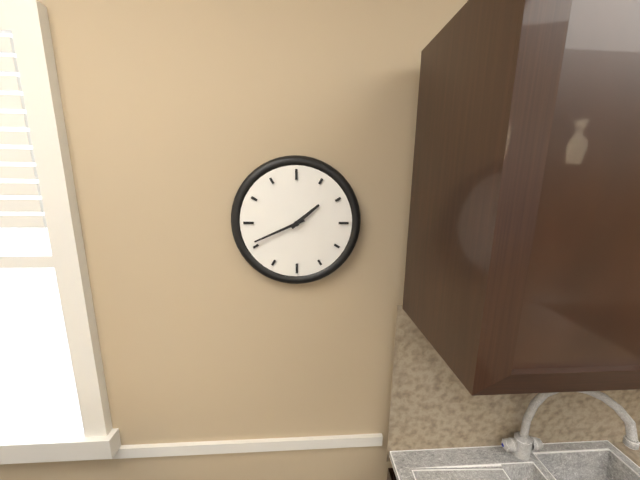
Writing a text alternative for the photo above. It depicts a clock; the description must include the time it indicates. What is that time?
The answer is 1:41
